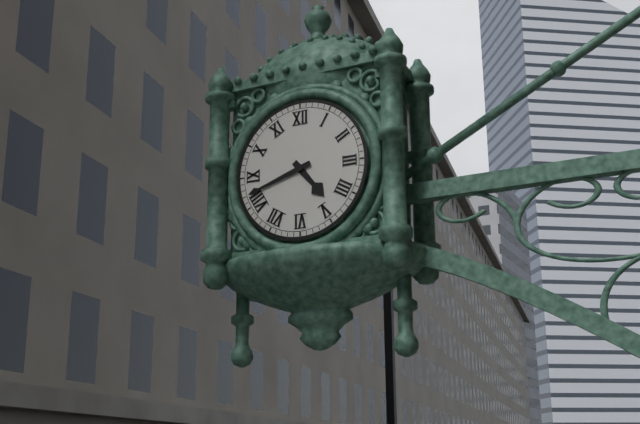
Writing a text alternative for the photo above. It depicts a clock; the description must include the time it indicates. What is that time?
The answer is 4:42
